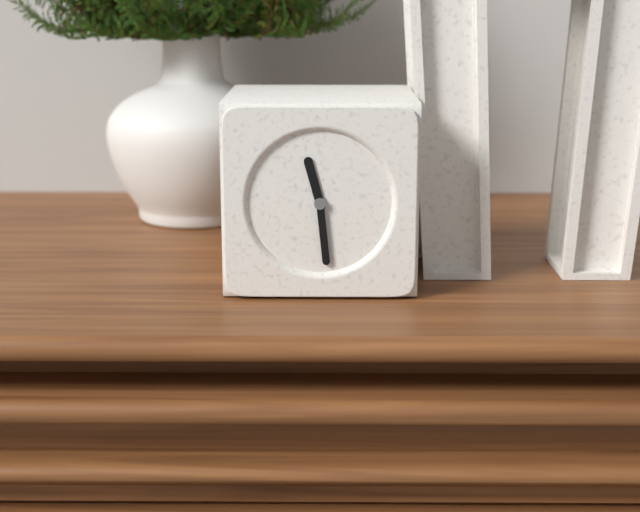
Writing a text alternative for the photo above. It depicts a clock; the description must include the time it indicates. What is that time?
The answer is 11:29
